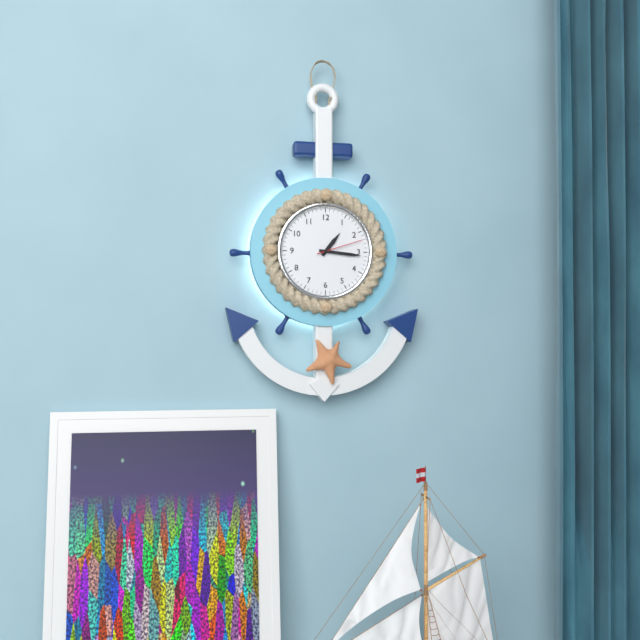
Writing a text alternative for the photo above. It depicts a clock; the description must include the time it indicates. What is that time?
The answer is 1:16
